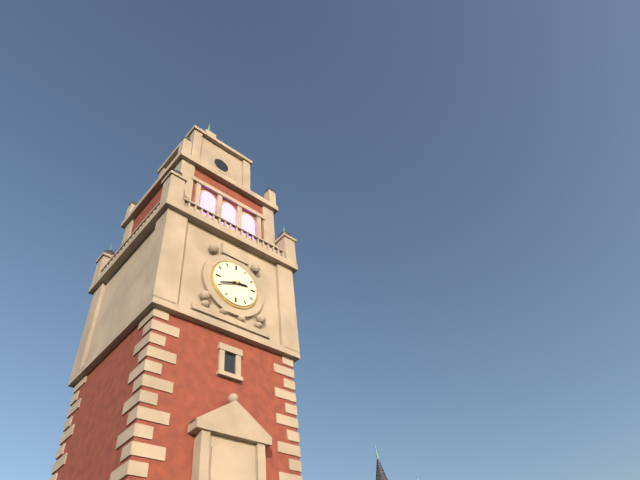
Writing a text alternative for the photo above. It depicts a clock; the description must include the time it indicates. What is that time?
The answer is 2:41
